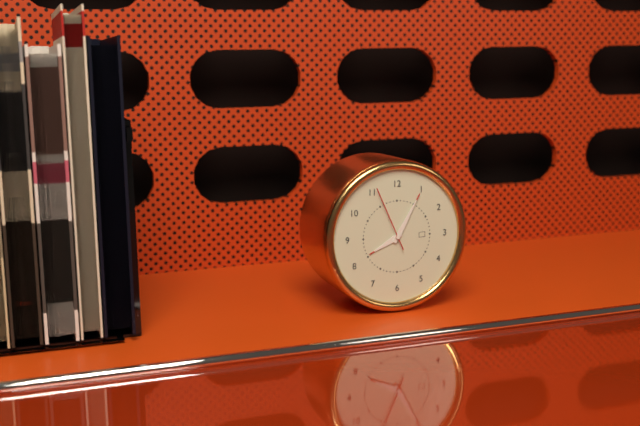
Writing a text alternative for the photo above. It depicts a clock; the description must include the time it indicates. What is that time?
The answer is 8:05:56
